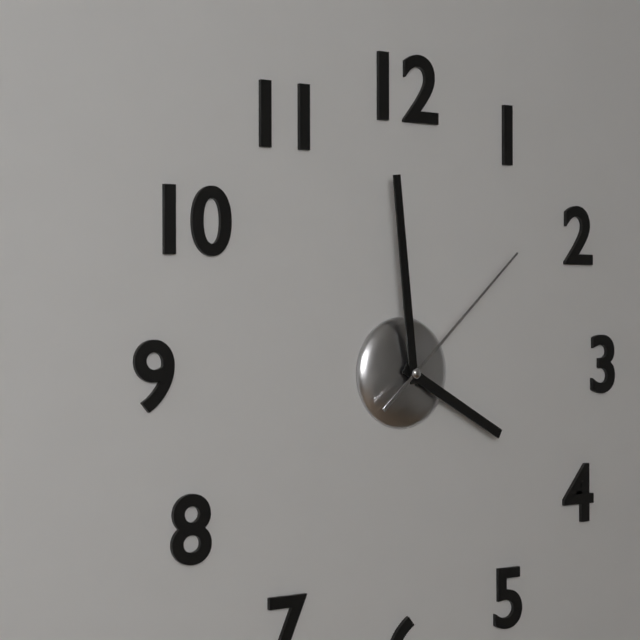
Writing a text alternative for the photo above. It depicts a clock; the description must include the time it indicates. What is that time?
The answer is 3:59:08
